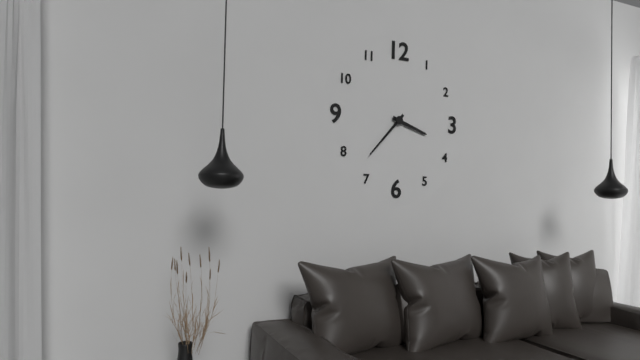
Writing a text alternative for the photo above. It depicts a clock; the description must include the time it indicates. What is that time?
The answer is 3:37
